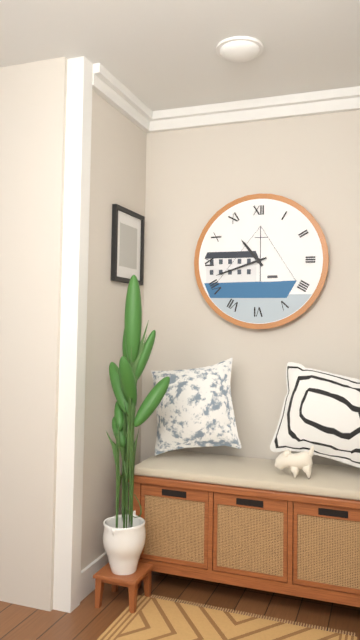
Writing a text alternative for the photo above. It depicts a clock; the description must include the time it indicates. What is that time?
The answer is 10:42
